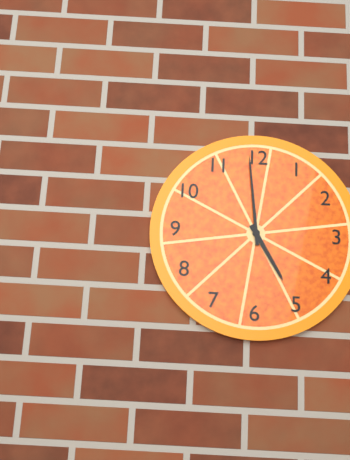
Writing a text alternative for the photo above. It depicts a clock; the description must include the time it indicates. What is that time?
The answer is 4:59
